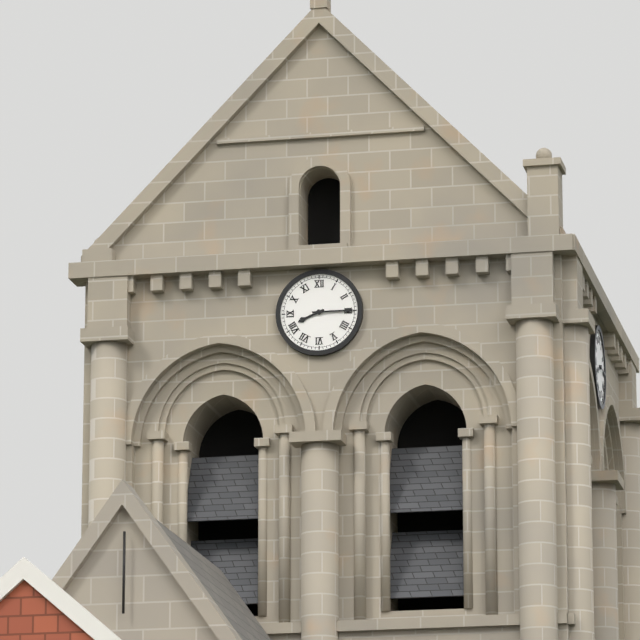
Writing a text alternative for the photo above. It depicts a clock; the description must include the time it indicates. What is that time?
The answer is 8:15
